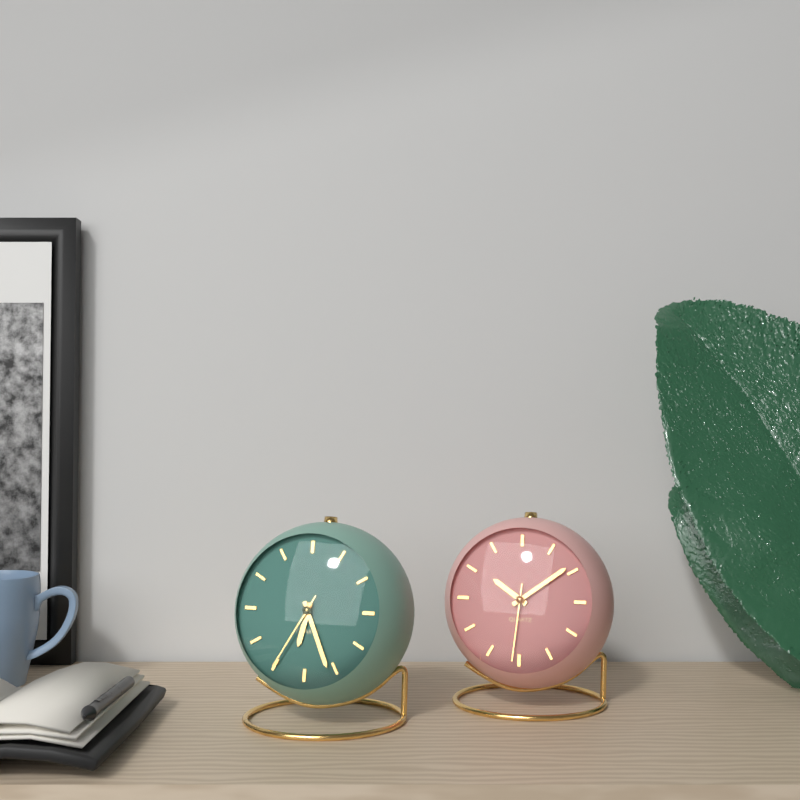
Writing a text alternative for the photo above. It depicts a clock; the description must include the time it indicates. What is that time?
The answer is 6:26:35
